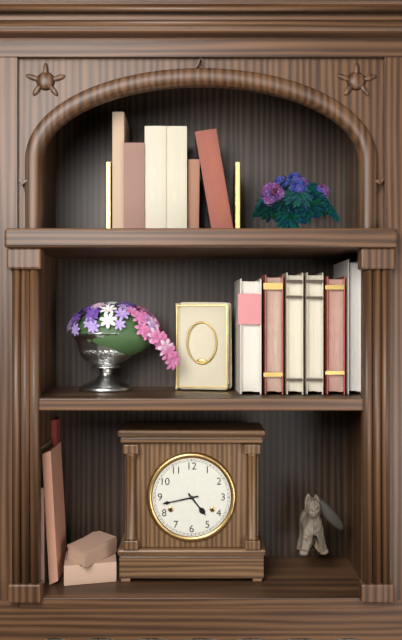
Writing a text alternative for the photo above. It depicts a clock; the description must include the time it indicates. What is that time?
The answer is 4:43
